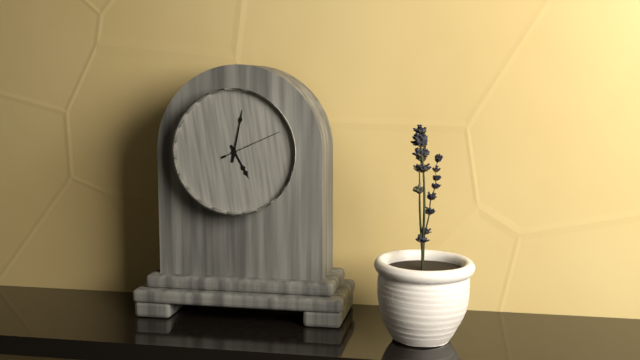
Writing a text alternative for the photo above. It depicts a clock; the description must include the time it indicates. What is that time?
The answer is 5:02:11
